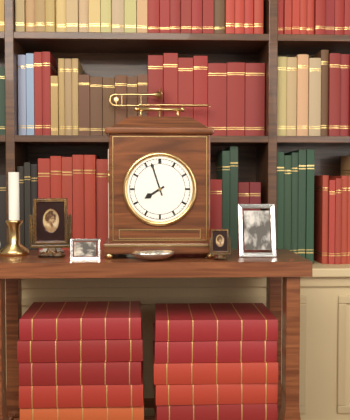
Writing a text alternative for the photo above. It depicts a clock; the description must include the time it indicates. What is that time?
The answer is 7:57
